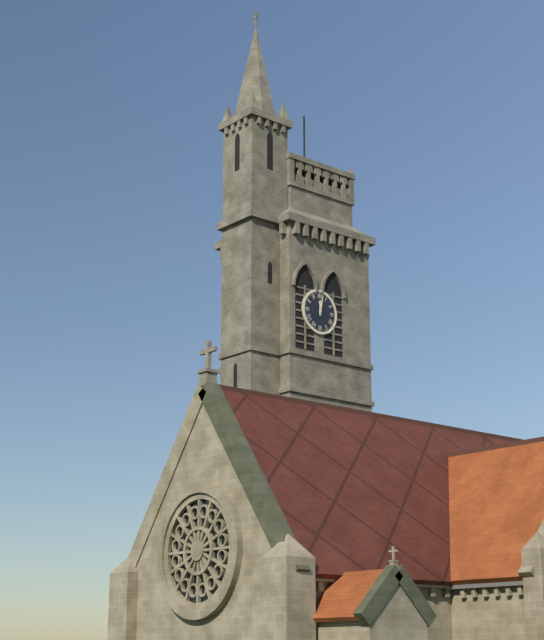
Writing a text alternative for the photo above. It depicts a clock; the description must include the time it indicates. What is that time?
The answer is 12:02
